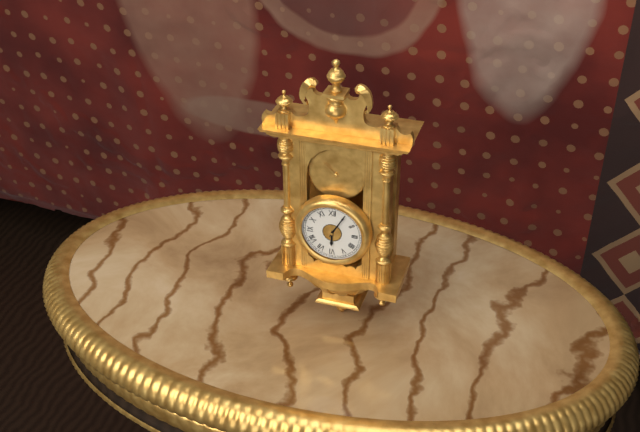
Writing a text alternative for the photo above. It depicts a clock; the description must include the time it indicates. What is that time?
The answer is 6:05
